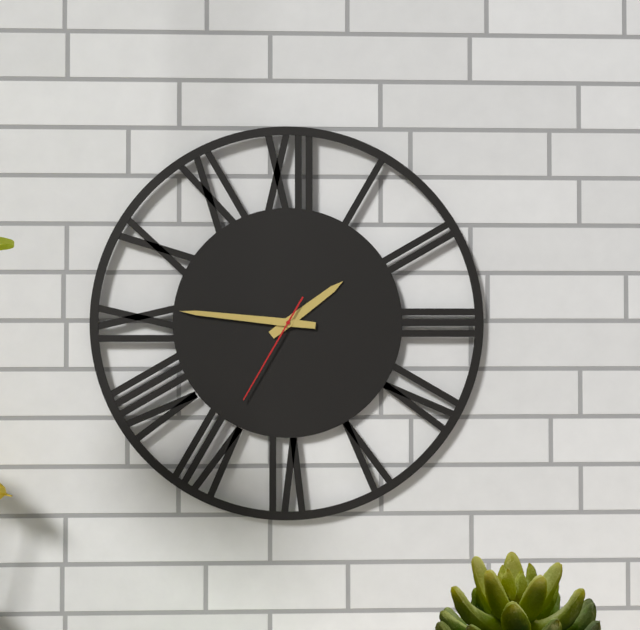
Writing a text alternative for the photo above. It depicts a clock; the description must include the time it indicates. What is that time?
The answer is 1:46:35
